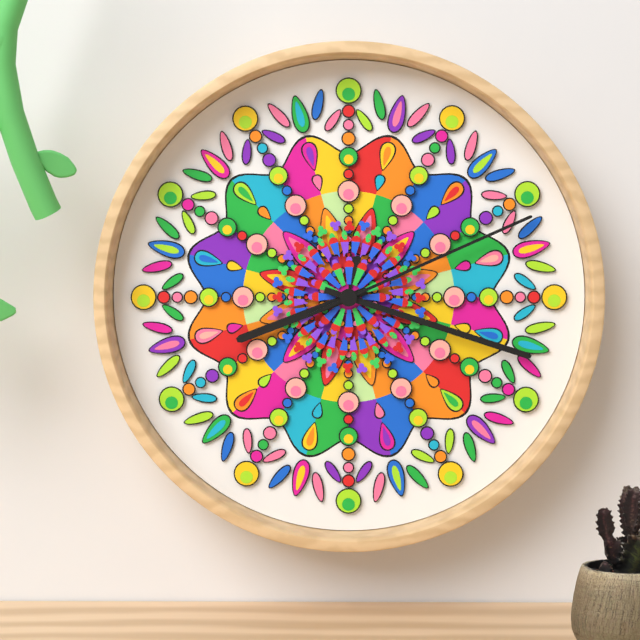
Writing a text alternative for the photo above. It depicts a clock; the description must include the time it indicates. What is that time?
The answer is 8:18:11
